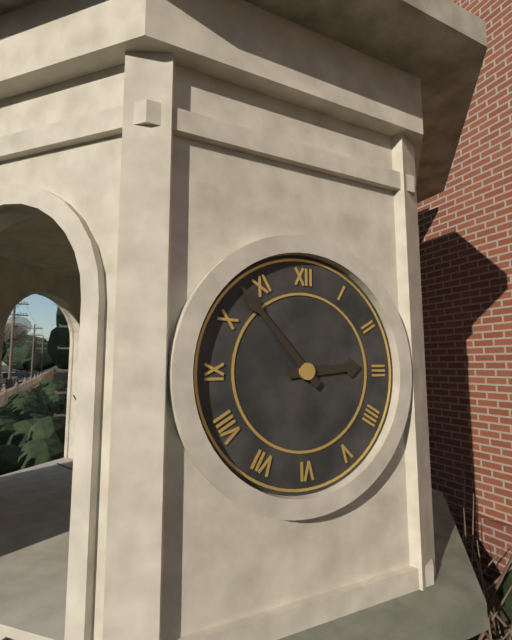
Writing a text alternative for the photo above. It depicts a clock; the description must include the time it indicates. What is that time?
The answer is 2:53
